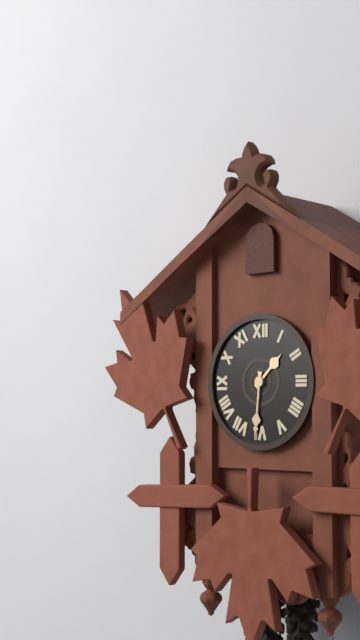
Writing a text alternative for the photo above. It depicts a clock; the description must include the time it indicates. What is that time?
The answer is 1:31
